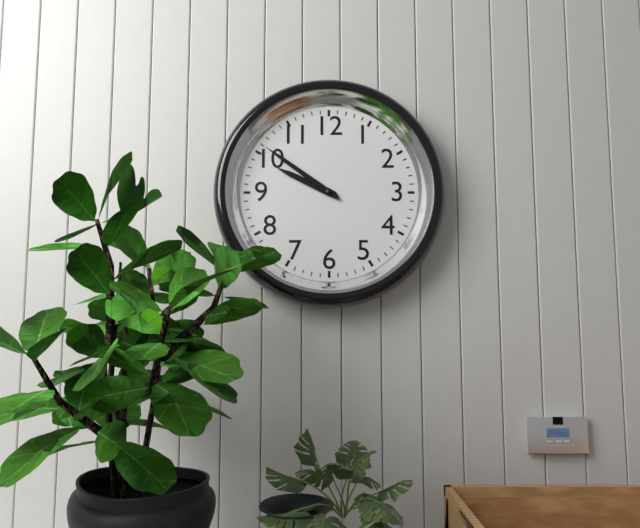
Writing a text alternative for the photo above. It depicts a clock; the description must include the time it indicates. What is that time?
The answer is 9:51
